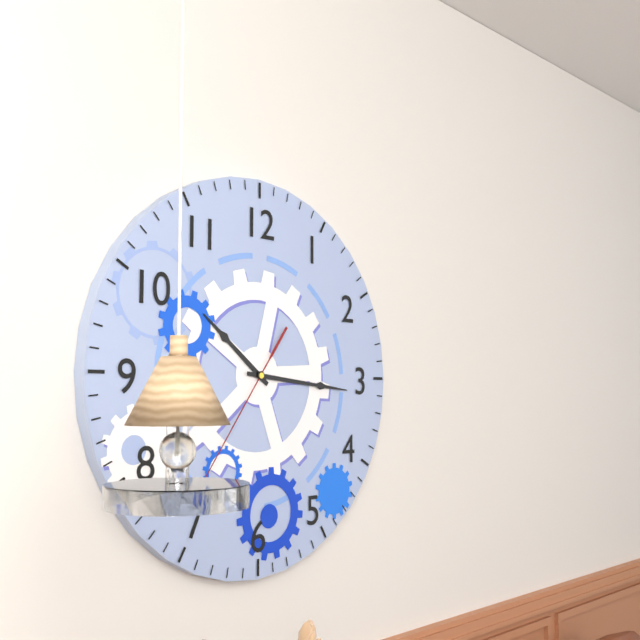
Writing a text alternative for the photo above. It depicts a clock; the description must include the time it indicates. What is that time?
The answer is 10:16:36
